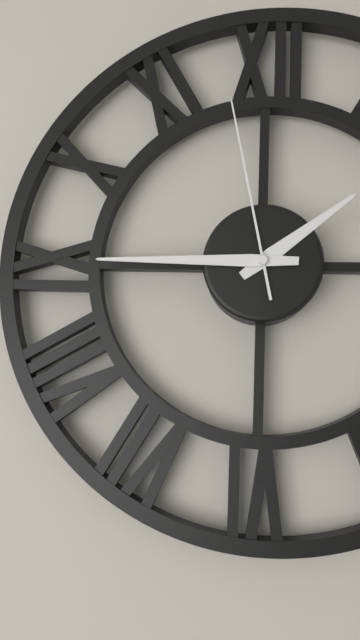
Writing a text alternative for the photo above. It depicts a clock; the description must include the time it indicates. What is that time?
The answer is 1:45:58
